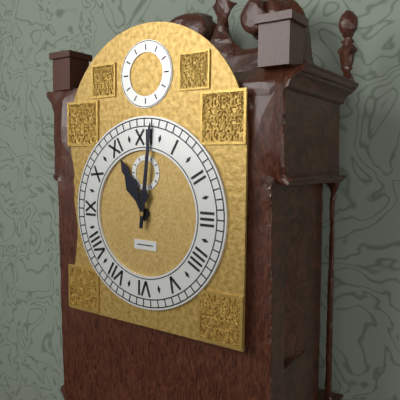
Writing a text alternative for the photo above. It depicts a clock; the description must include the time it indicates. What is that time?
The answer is 11:01
